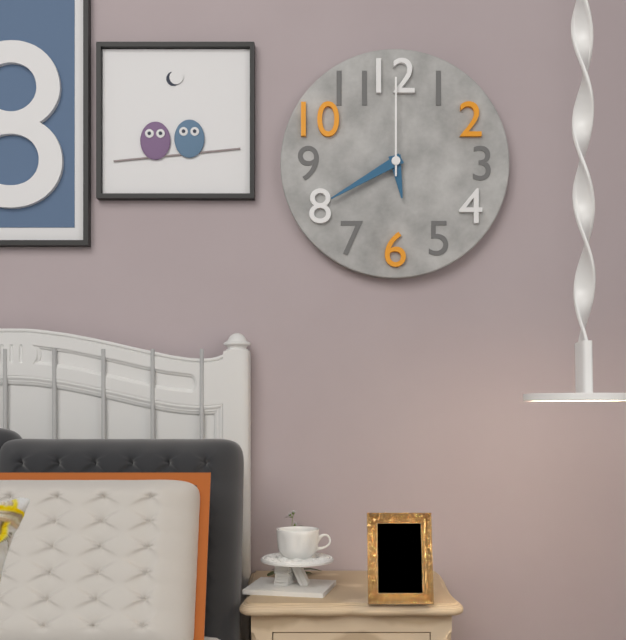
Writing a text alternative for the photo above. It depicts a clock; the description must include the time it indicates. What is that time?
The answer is 5:40:00
